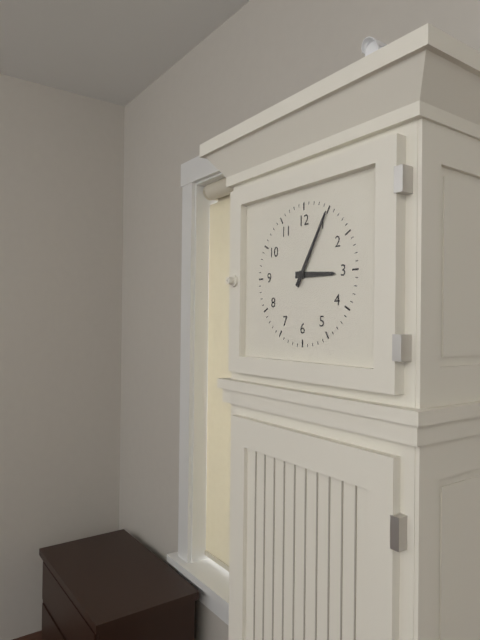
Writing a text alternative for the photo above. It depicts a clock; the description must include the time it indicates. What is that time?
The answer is 3:05
